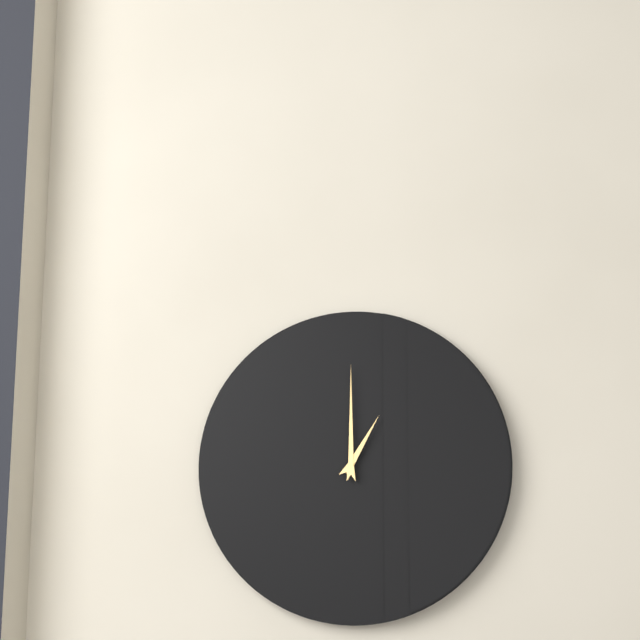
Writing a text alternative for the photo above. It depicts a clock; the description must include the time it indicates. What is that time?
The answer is 1:00
